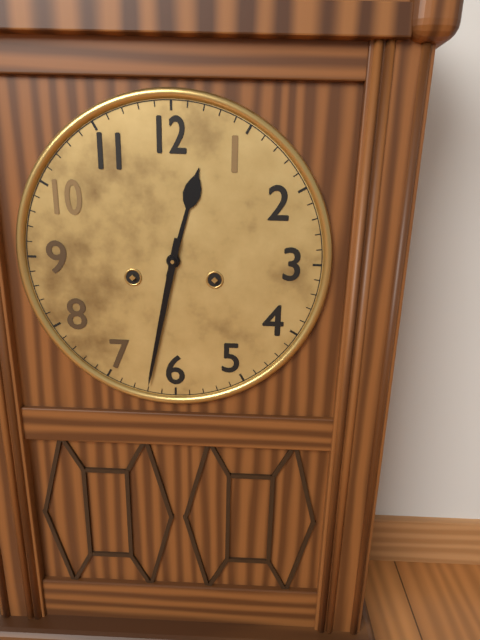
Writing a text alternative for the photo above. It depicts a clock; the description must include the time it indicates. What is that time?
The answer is 12:32
